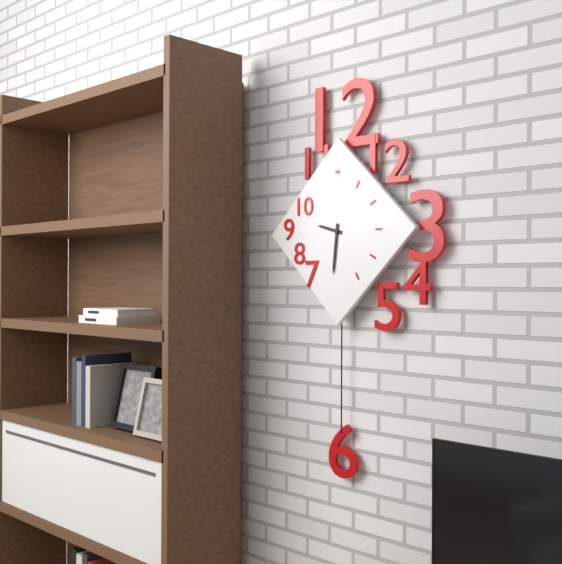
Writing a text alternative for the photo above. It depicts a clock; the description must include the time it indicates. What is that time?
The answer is 9:31
